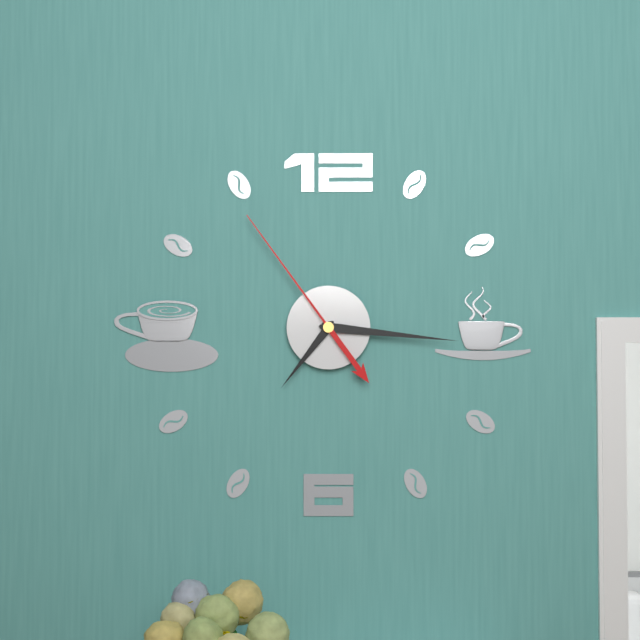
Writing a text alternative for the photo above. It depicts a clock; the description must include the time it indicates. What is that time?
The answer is 7:16:54
